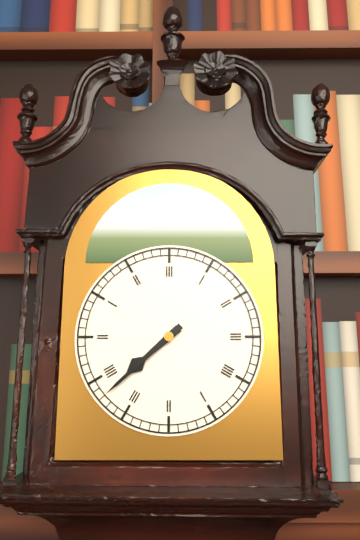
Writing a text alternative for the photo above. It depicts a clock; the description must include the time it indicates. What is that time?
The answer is 7:38
